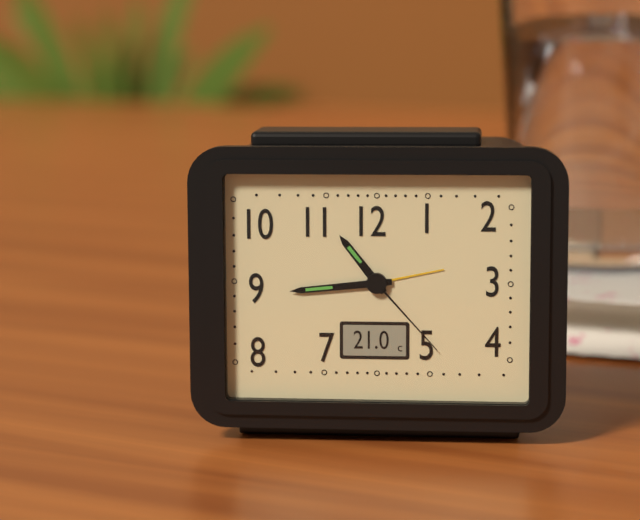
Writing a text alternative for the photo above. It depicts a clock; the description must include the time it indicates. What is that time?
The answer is 10:44:23
